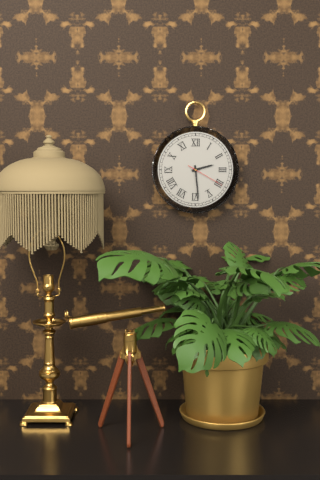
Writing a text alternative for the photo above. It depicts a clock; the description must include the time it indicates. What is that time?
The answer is 2:29
